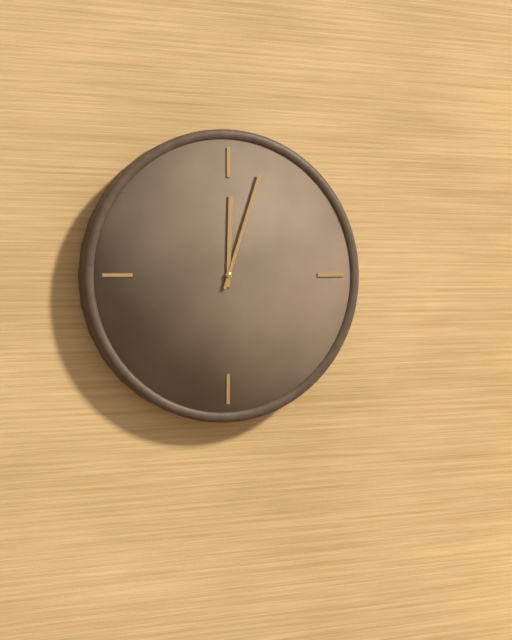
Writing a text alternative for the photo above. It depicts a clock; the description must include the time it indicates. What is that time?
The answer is 12:03
